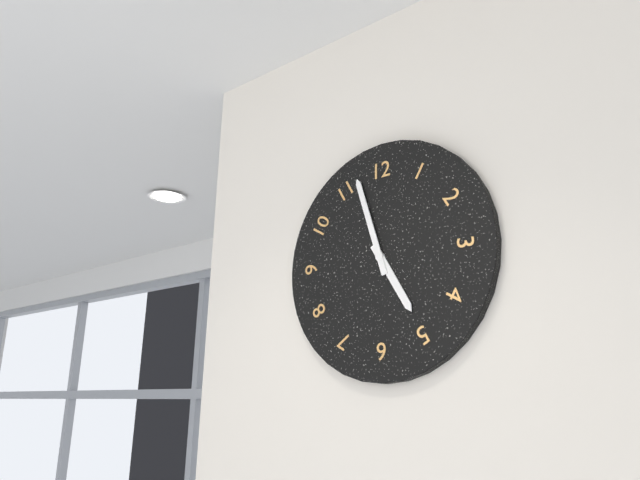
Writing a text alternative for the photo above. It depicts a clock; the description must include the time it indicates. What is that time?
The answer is 4:57
